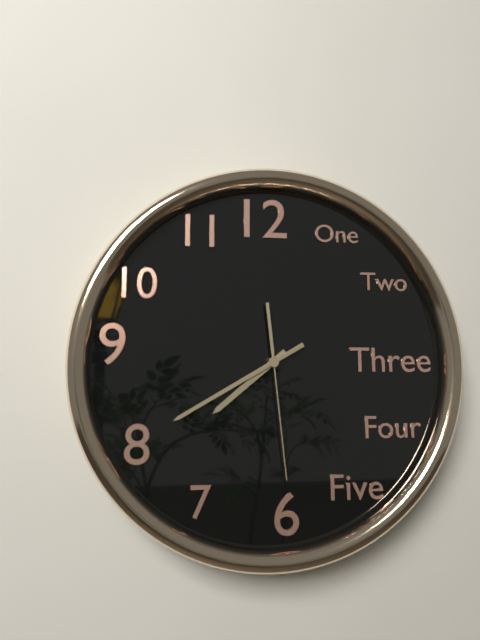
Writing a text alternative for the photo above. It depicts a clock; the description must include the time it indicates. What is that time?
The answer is 7:40:29
